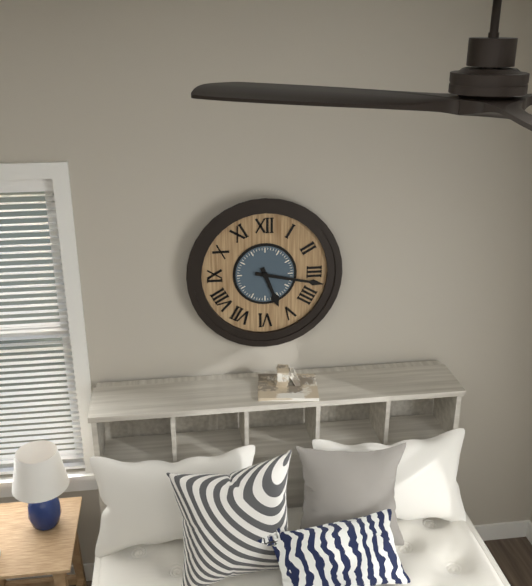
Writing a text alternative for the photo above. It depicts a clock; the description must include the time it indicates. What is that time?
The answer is 5:17
